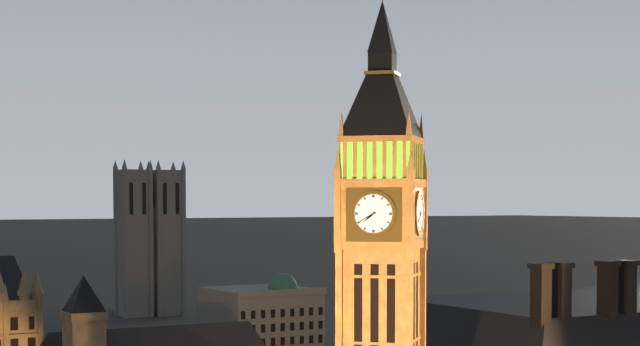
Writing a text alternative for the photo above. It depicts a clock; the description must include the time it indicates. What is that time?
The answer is 7:40
